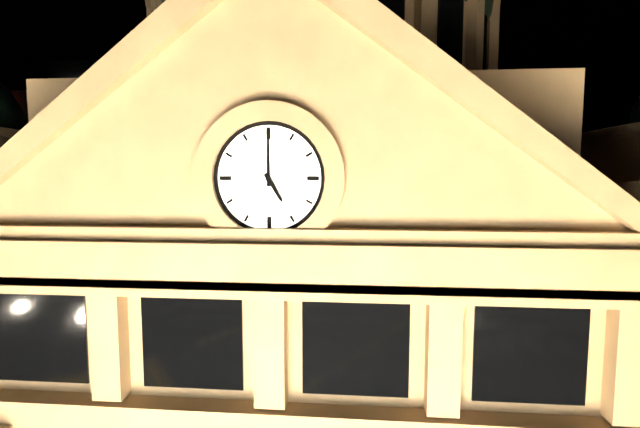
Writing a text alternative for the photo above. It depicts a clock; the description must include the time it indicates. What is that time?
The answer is 5:00
